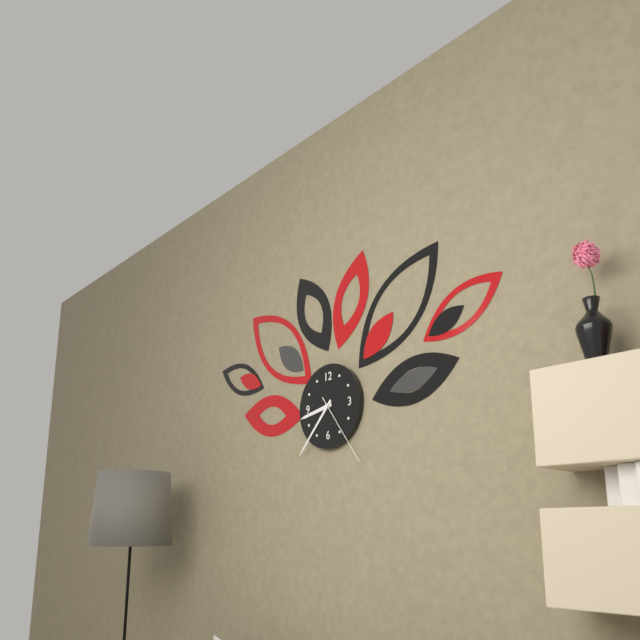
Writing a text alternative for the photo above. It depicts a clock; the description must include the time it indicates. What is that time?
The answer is 8:37:24
